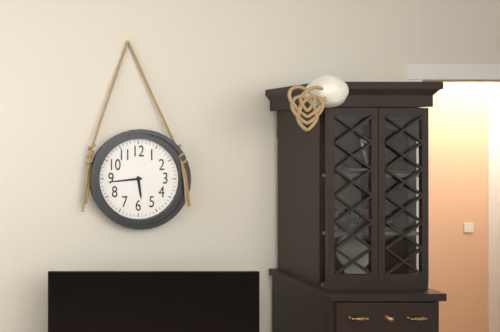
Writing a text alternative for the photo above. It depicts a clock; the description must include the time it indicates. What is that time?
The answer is 5:44
